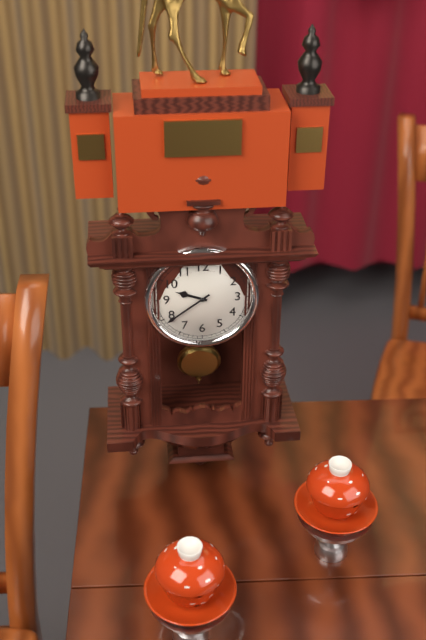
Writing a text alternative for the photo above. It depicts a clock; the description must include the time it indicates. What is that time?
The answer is 9:39
